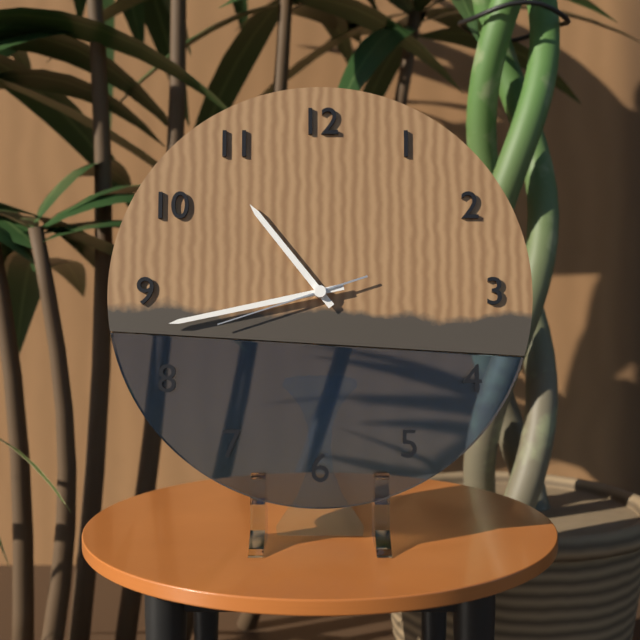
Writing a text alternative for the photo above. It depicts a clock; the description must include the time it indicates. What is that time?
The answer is 10:43:42
